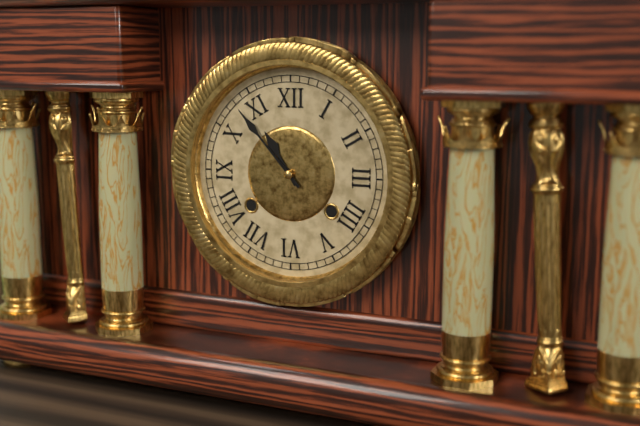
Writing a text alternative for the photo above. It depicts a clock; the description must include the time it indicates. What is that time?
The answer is 10:53
